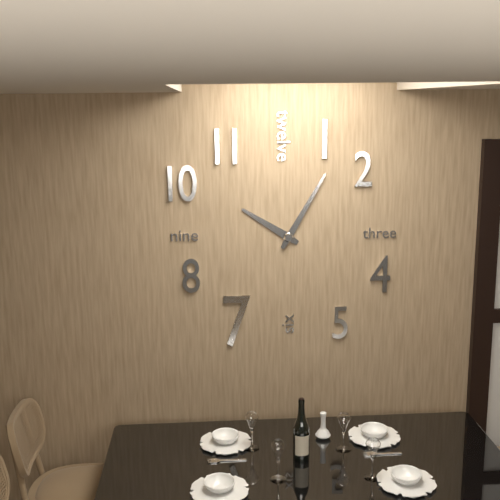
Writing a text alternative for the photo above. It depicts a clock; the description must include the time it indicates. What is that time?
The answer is 10:05
